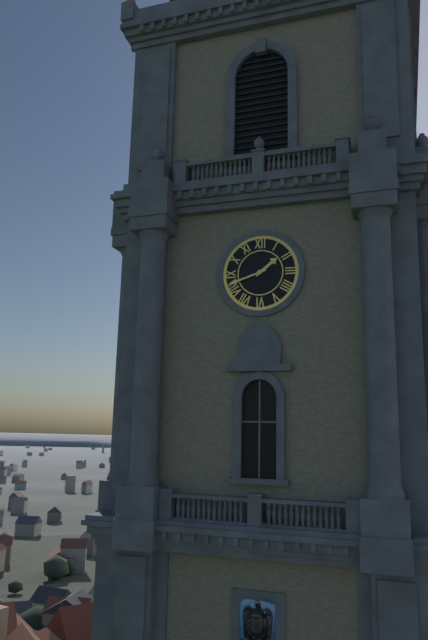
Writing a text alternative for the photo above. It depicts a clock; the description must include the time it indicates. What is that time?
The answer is 1:42
